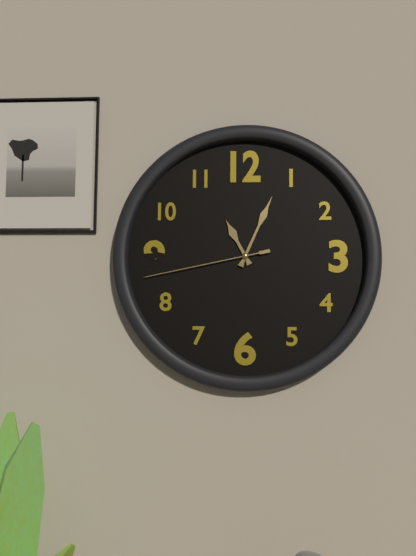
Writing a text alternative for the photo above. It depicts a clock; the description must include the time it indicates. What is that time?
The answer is 11:04:43
